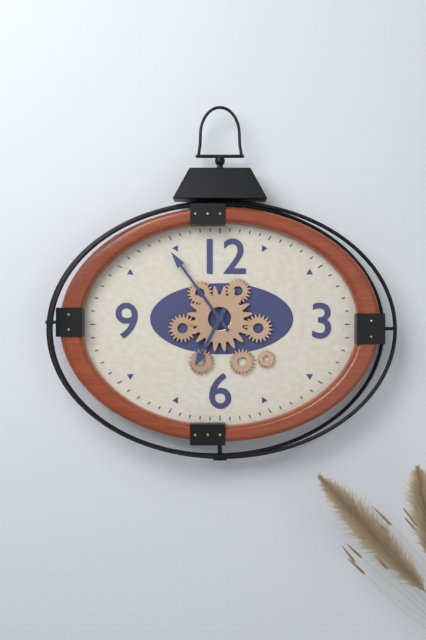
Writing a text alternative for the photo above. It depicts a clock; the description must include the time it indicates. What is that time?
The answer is 6:54
